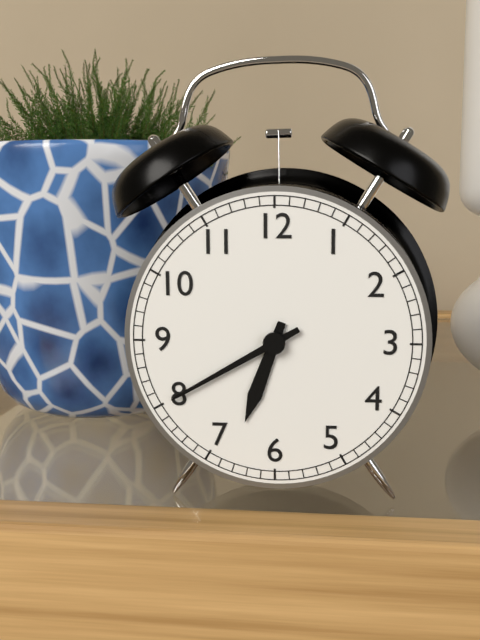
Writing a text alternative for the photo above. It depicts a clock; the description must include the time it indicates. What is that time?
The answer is 6:40
